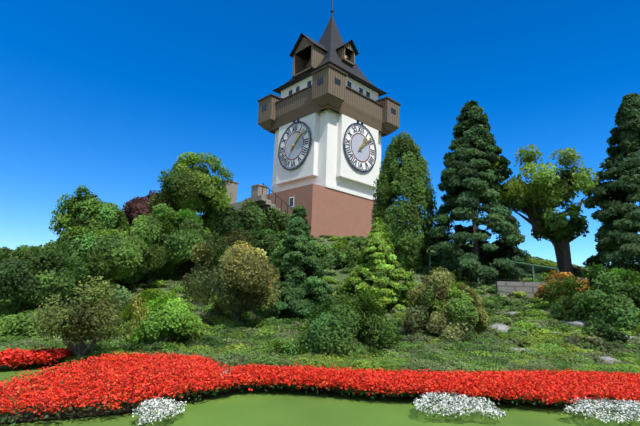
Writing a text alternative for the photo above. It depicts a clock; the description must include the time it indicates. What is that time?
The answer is 1:08
